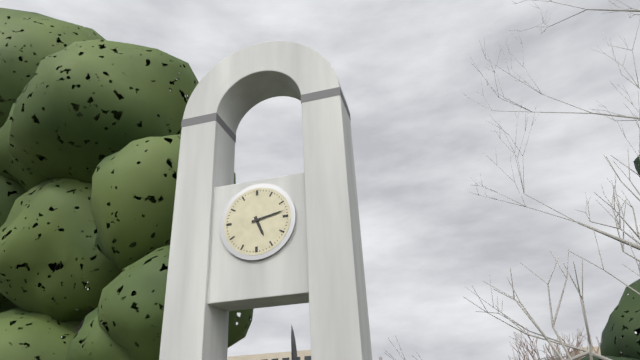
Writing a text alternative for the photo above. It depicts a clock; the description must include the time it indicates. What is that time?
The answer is 5:13
